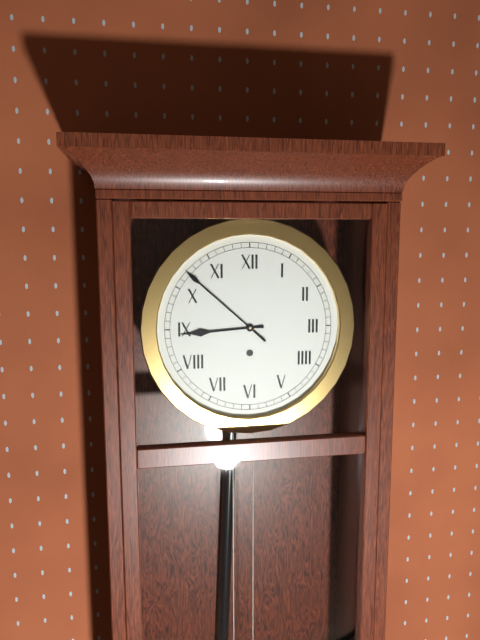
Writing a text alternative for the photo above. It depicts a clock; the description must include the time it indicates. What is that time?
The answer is 8:52
